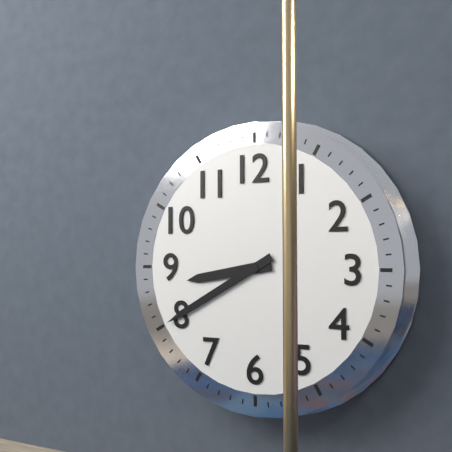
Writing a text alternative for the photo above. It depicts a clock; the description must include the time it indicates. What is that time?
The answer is 8:40
